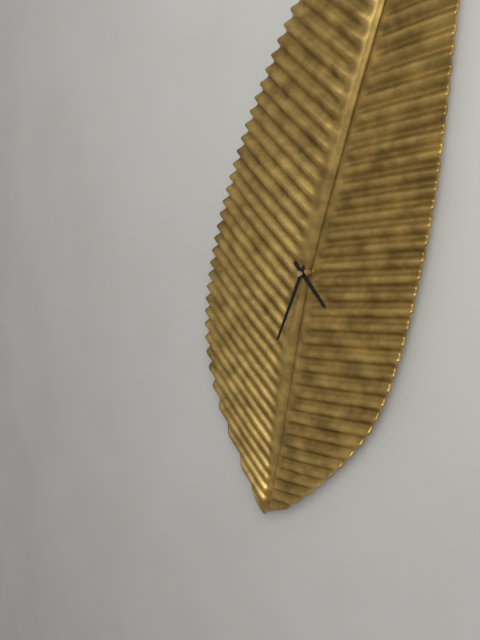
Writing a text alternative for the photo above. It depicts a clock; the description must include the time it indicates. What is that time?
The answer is 4:34
